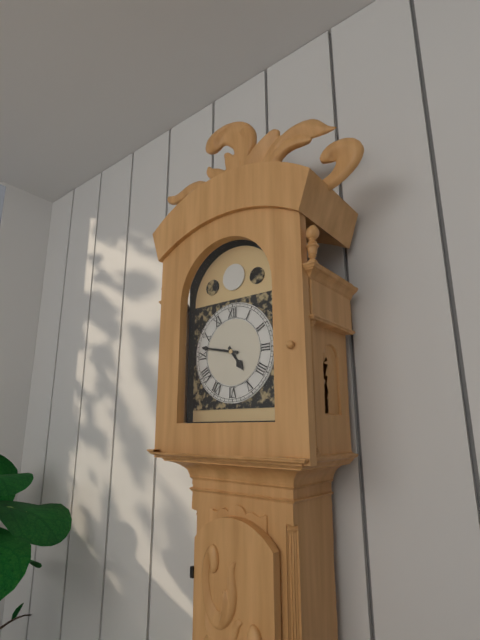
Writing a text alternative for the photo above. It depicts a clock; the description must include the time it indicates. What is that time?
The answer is 4:47
